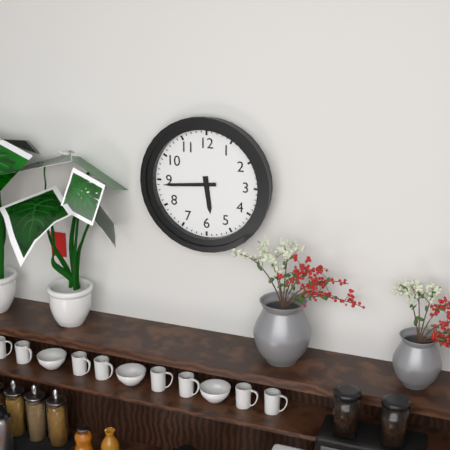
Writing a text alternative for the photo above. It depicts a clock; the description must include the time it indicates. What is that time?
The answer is 5:44
